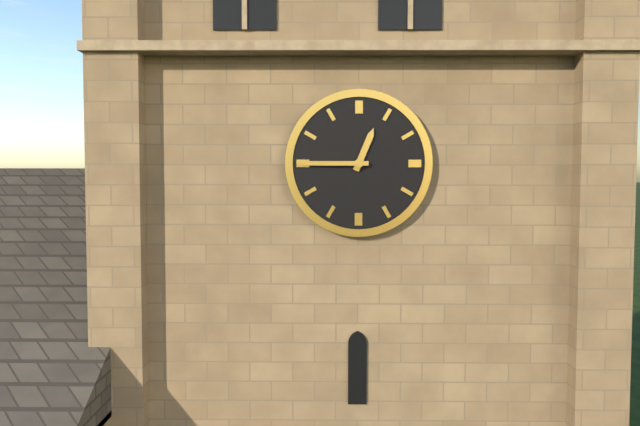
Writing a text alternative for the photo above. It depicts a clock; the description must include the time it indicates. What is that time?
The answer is 12:45
